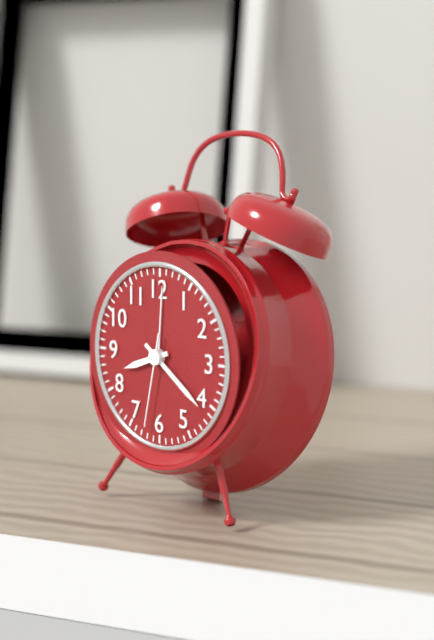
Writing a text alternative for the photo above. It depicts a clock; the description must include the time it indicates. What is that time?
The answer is 8:21:32
